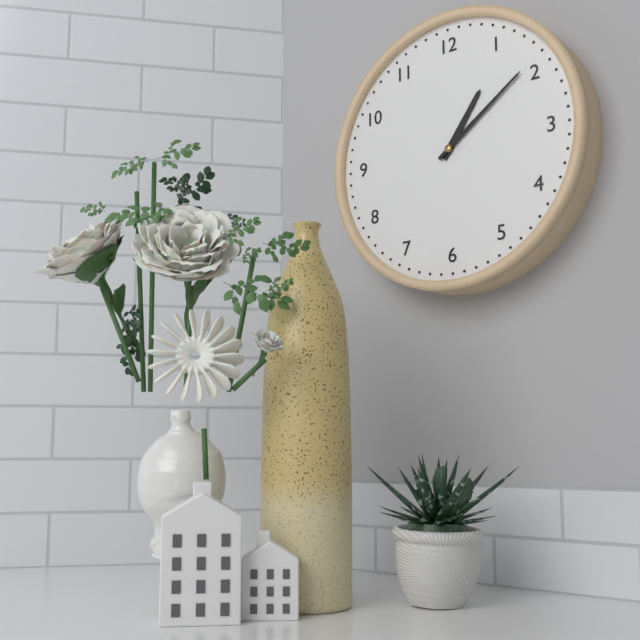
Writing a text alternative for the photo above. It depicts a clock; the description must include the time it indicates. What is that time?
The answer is 1:09
